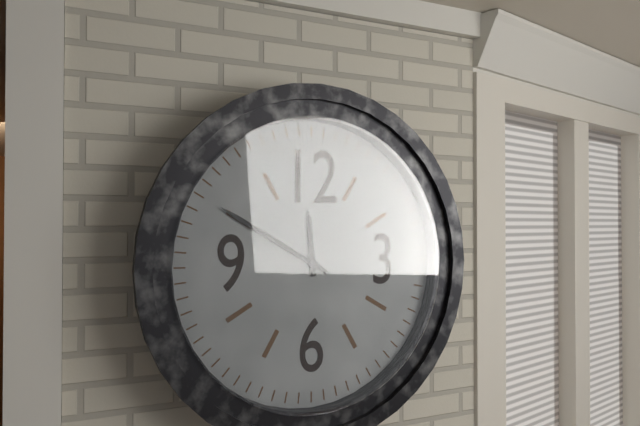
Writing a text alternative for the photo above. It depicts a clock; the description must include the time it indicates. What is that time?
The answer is 11:50
